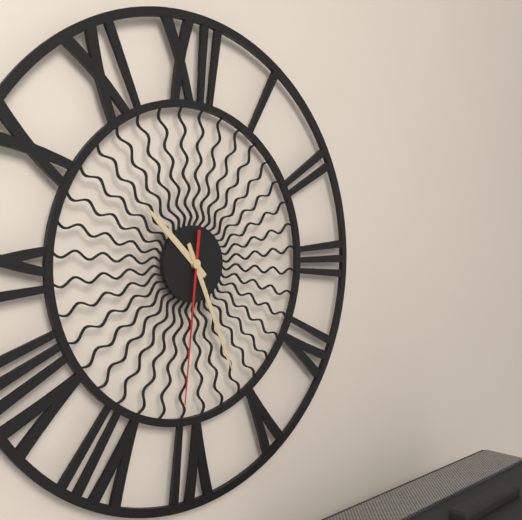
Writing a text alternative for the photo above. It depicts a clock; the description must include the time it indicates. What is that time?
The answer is 10:26:31
